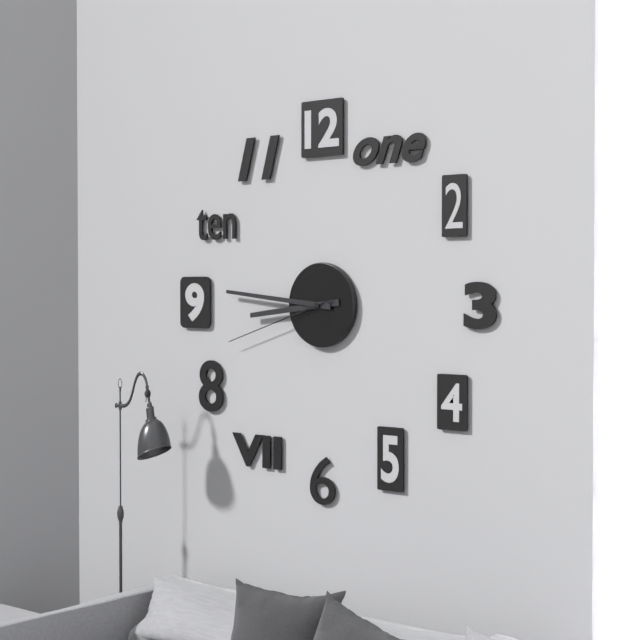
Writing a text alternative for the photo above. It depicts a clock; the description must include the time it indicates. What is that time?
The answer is 8:46:42
